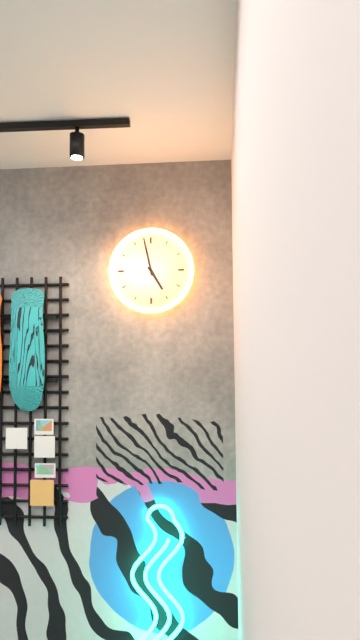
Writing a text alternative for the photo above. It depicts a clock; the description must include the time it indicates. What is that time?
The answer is 4:58
